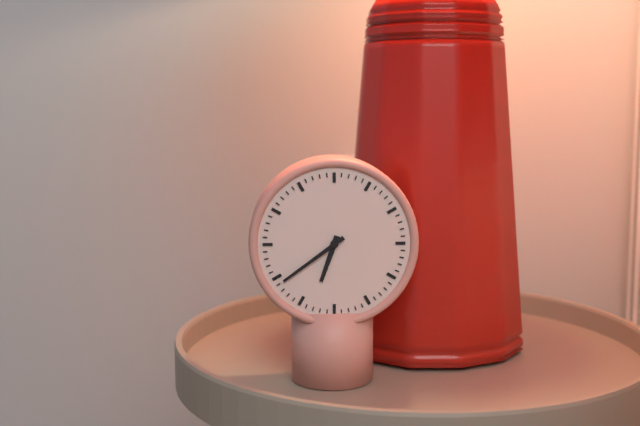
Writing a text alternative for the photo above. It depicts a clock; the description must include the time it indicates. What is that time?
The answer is 6:39
